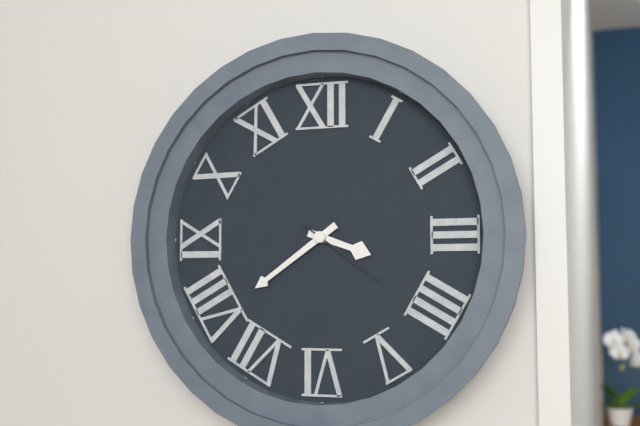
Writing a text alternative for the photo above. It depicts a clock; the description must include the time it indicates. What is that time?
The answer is 3:39:21
